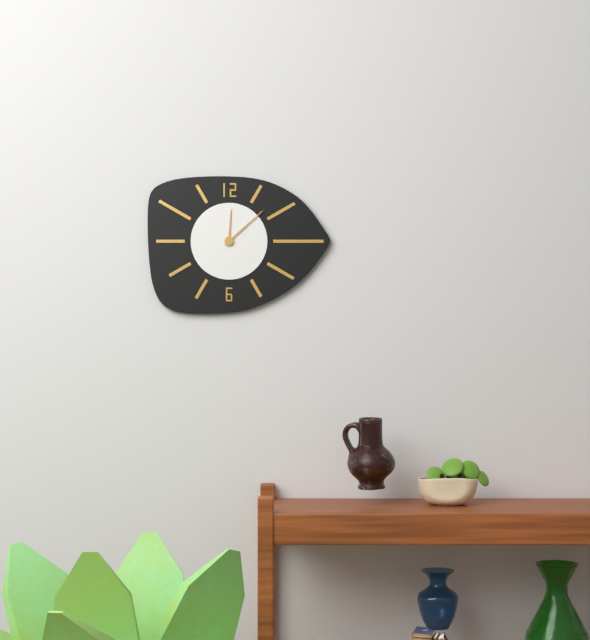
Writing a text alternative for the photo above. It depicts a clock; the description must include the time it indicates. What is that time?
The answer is 12:08
